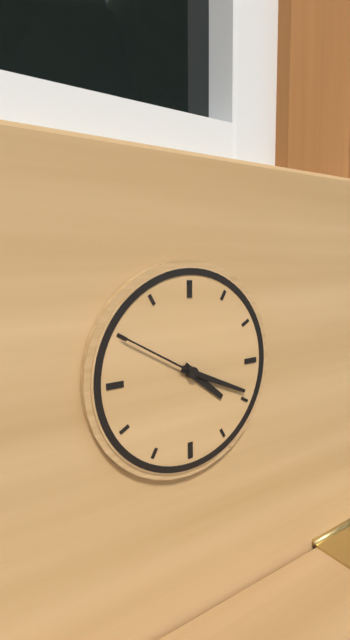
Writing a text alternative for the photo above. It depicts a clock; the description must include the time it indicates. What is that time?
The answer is 4:19:50
